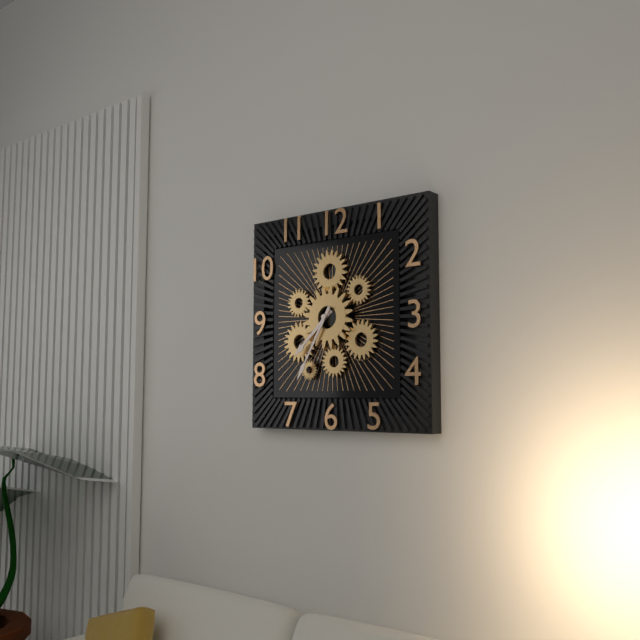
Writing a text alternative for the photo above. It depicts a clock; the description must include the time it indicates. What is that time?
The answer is 7:35
